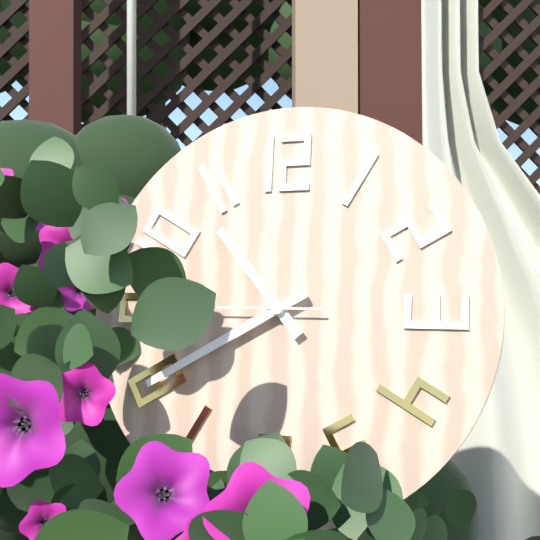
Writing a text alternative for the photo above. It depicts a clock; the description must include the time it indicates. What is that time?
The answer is 10:40
